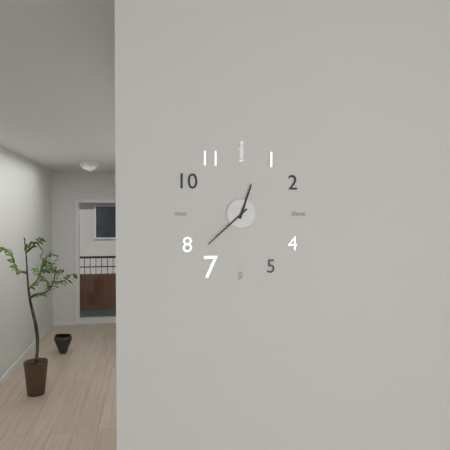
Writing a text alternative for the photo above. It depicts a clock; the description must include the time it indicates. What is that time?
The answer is 12:38
